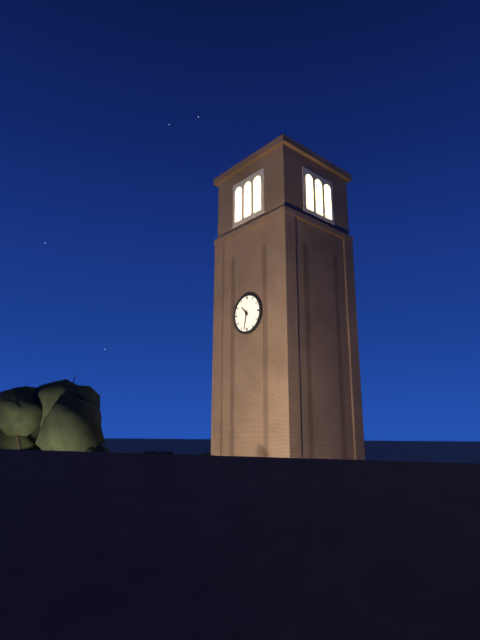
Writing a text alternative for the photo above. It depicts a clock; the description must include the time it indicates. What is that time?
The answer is 10:32
